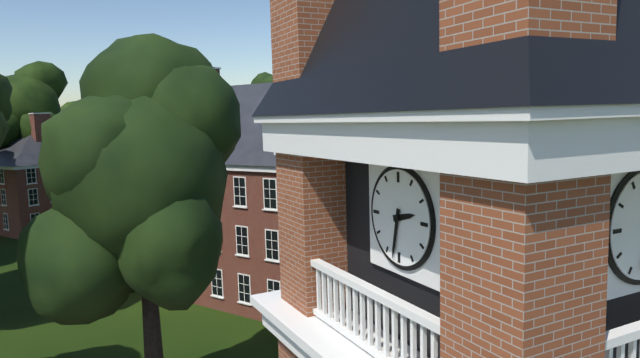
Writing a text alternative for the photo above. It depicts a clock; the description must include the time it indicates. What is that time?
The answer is 2:32
